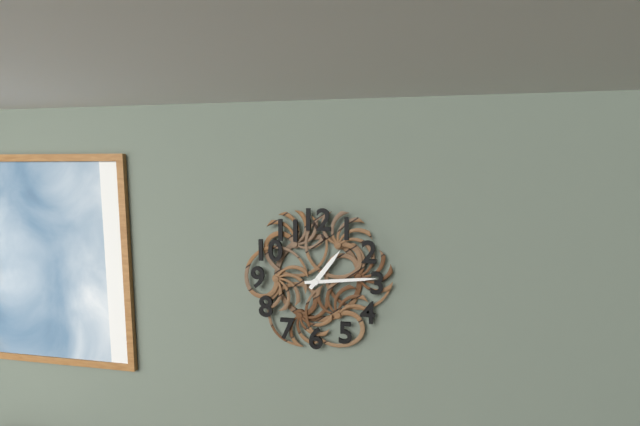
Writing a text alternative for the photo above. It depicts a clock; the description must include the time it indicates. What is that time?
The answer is 1:14
